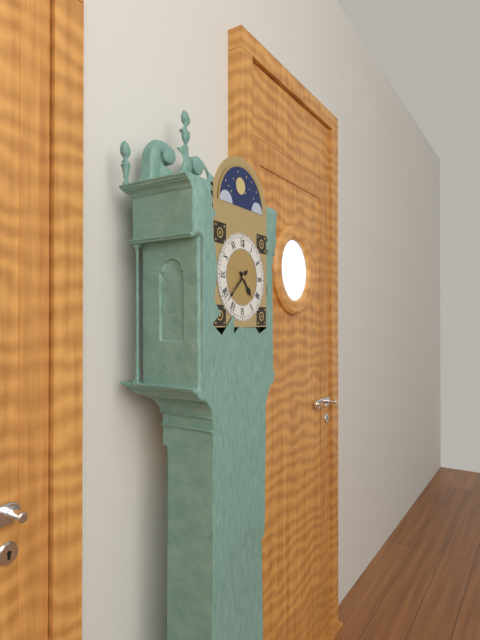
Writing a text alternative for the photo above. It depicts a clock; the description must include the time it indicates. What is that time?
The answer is 4:38
